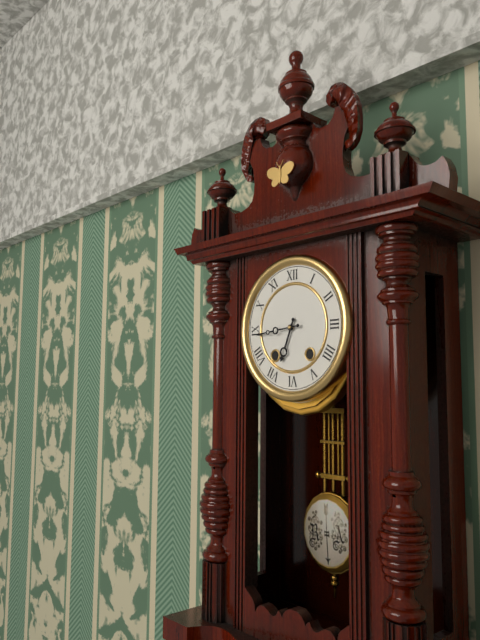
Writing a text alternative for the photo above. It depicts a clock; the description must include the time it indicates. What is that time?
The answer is 6:44
